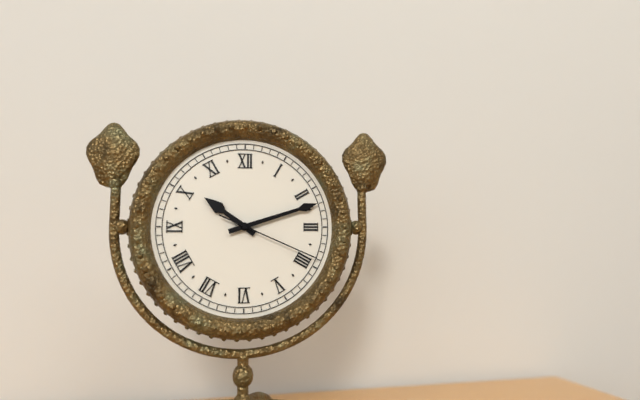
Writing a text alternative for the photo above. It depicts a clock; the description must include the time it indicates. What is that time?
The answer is 10:12:19
